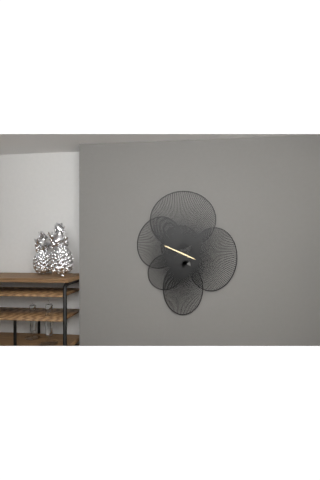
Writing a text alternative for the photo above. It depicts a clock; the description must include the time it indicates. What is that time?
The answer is 3:49
